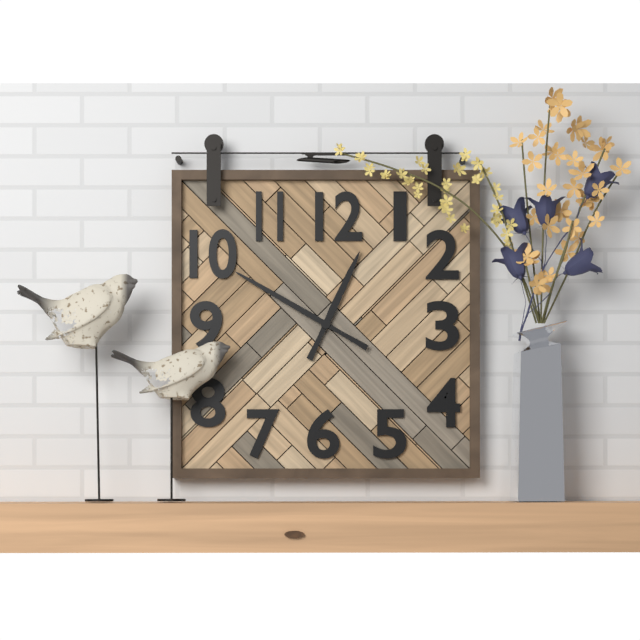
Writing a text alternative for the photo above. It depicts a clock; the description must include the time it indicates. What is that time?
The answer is 12:50
